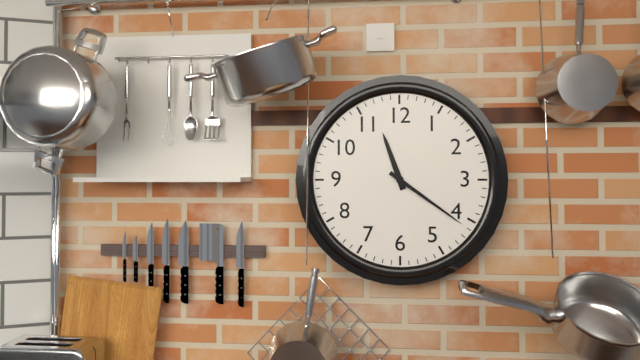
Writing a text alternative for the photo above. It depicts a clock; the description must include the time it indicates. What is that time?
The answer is 11:21
